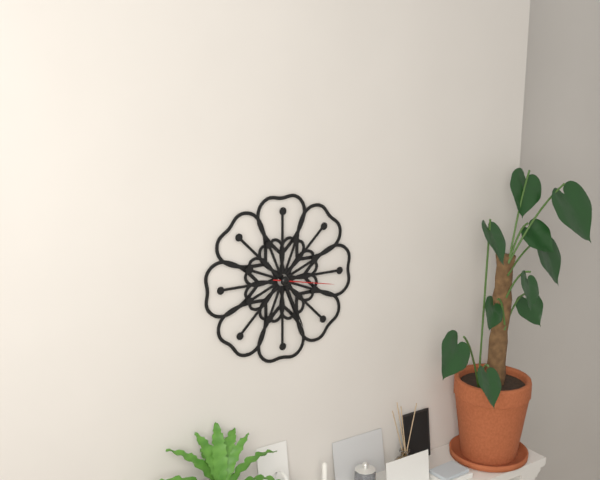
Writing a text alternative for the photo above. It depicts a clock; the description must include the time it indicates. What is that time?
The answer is 10:26:17
